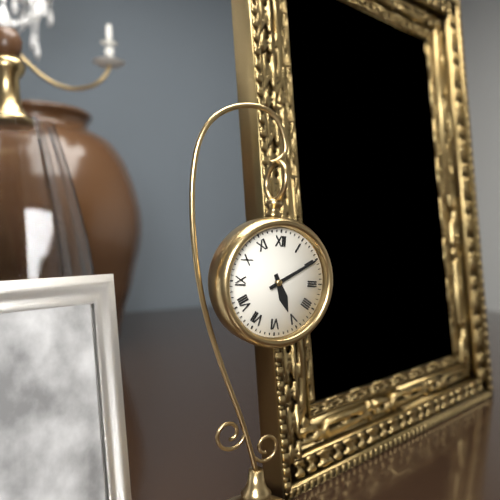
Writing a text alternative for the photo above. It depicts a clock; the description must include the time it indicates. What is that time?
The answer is 5:10
